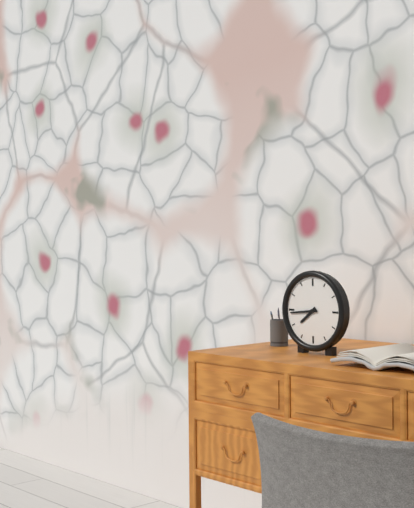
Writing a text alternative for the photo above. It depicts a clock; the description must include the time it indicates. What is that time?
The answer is 7:44
